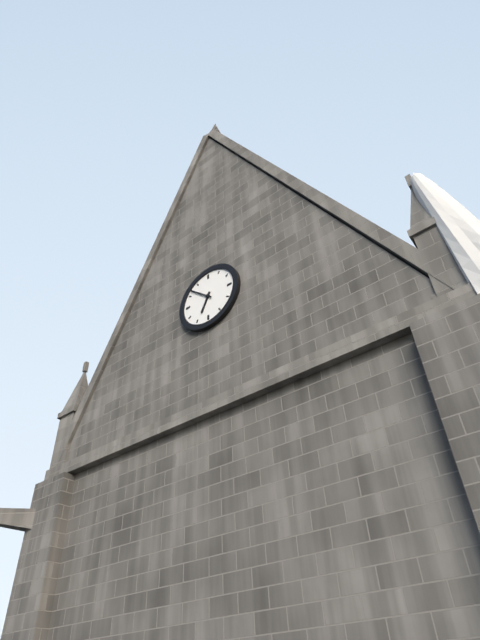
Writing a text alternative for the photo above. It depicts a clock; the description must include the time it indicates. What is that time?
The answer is 6:52
